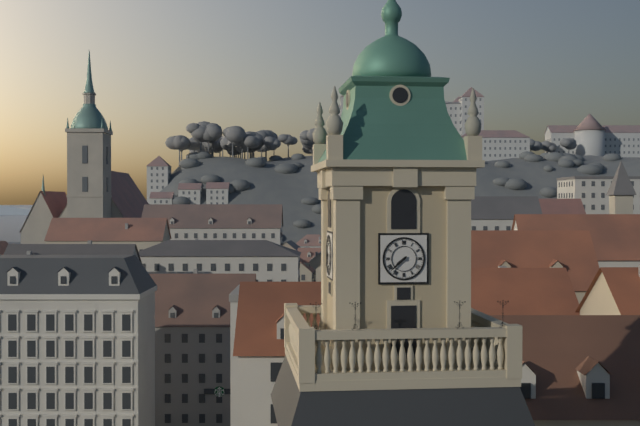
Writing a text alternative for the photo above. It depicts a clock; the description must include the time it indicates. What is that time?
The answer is 7:38
